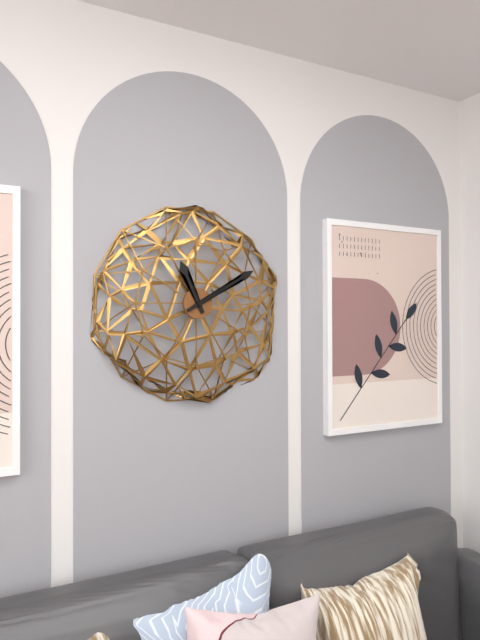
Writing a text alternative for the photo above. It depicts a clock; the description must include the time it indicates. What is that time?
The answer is 11:10
